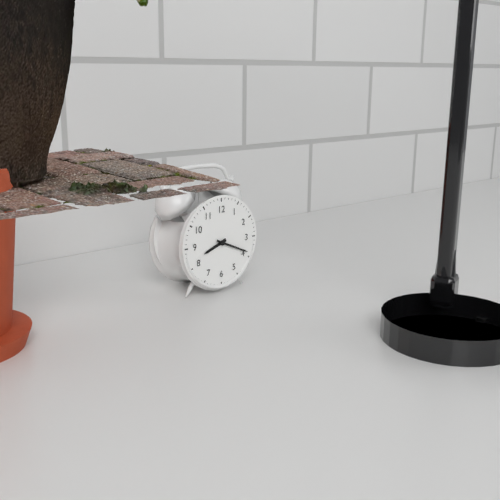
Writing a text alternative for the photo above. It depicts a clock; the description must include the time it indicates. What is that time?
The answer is 8:19
